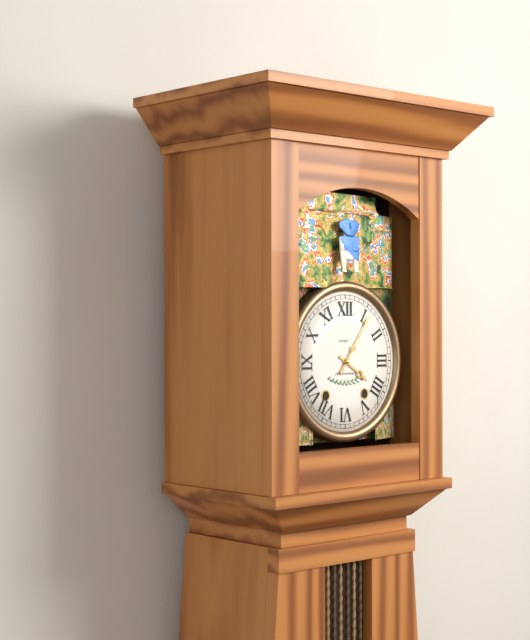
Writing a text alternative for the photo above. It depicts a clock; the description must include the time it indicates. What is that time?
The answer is 4:06
